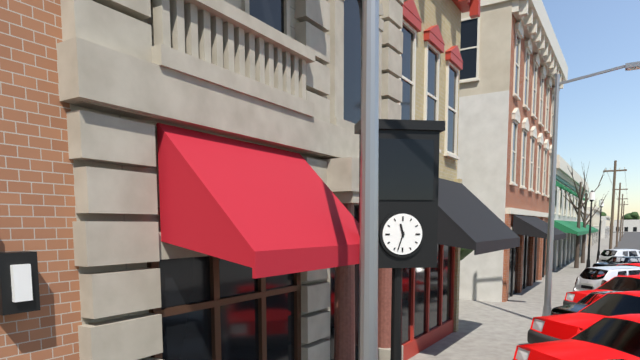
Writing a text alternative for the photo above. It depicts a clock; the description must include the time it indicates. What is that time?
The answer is 11:33
